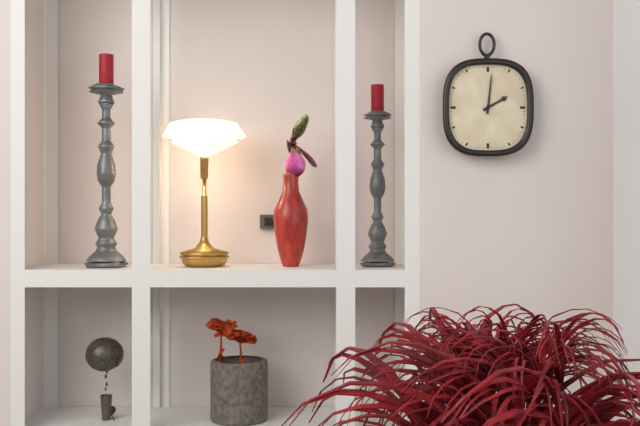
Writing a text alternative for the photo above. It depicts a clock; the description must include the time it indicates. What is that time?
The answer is 2:01
